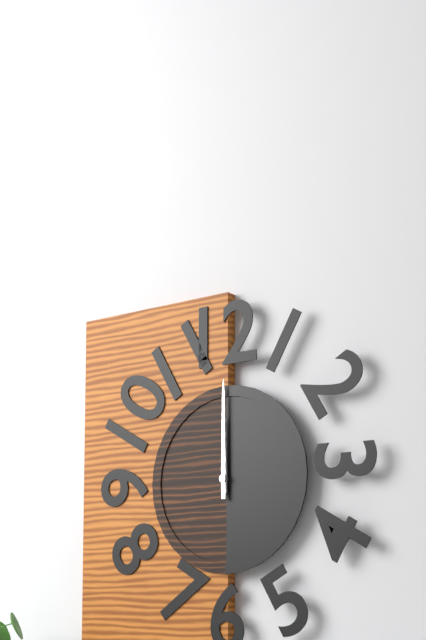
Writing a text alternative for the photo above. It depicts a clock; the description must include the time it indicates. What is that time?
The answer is 12:00
